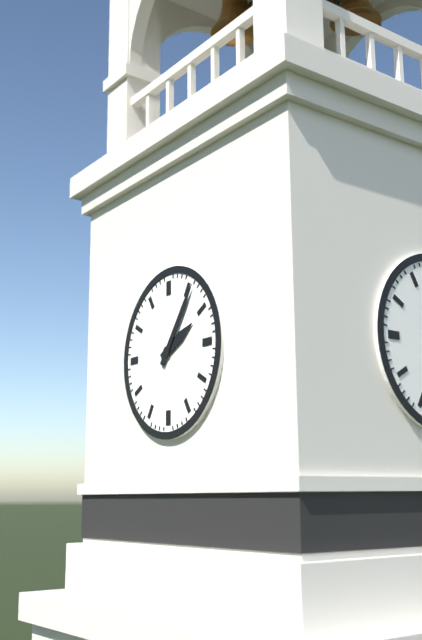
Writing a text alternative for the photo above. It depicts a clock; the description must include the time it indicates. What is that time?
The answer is 2:06
